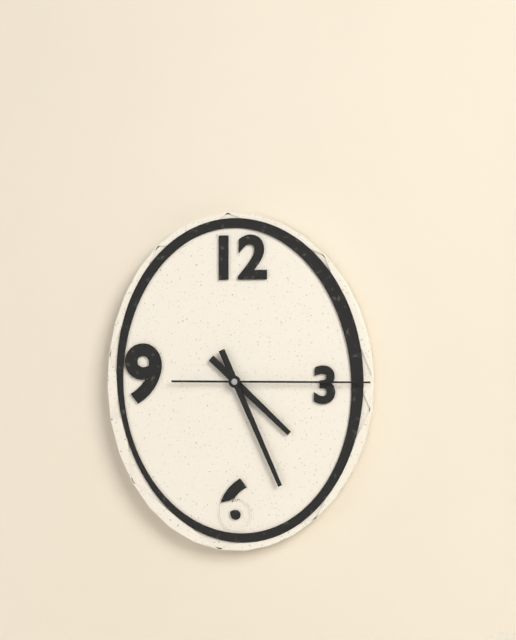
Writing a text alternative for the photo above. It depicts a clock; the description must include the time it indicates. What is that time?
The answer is 4:26:15
